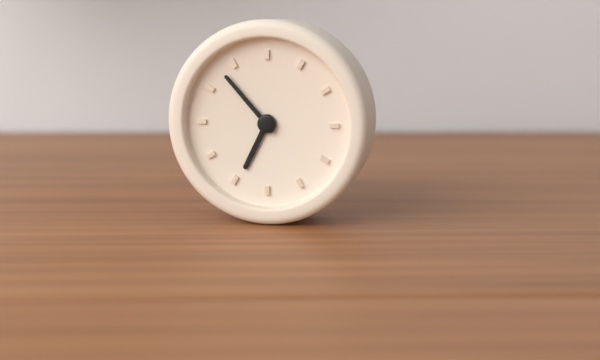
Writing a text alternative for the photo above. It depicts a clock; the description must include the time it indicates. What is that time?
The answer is 6:53
